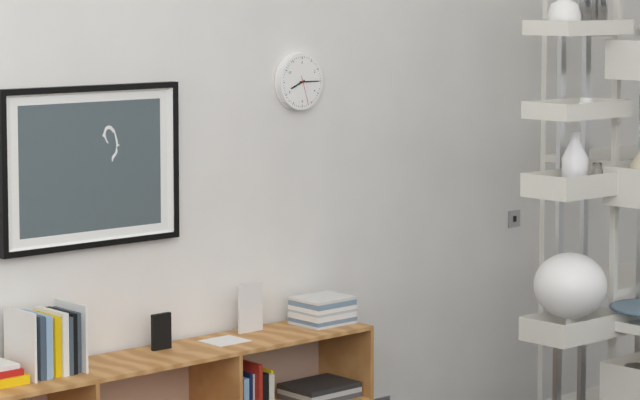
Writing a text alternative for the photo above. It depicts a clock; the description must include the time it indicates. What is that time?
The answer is 8:15
